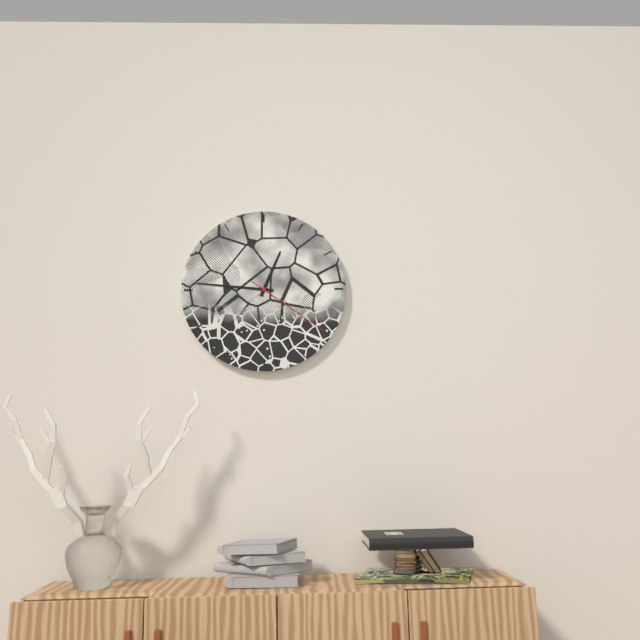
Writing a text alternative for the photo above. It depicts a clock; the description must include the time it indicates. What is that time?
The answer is 12:46:21
